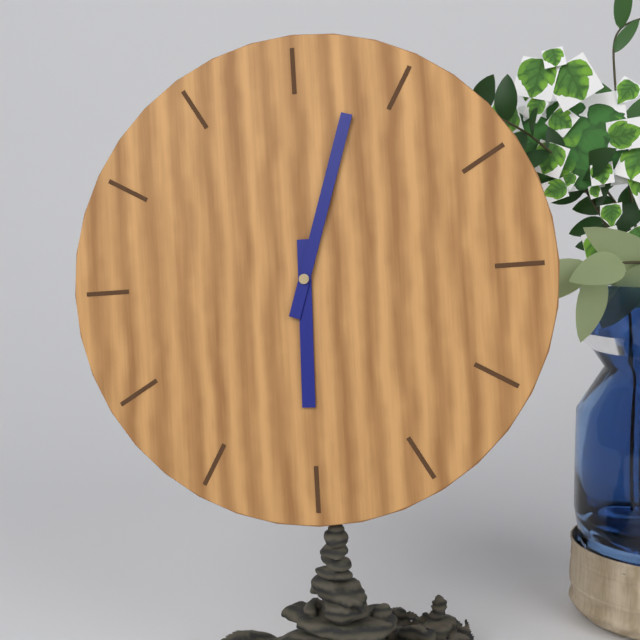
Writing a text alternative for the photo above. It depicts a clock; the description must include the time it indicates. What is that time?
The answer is 6:03
